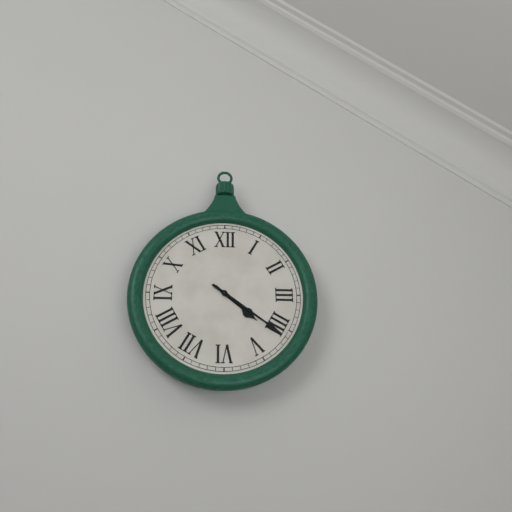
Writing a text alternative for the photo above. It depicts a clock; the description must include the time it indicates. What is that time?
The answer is 4:21
